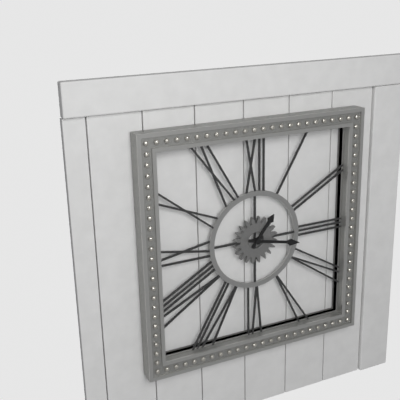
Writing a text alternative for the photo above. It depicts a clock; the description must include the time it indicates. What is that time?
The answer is 1:17
